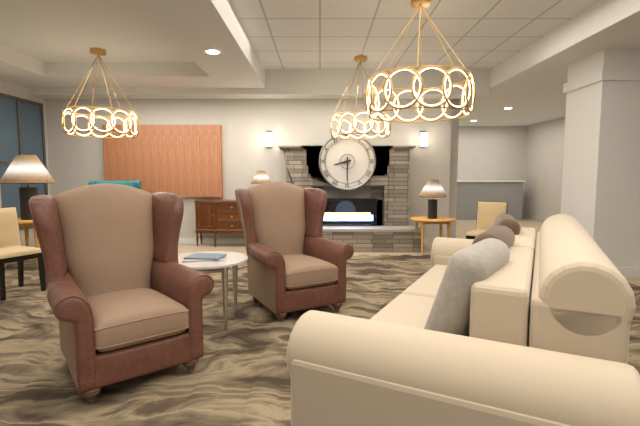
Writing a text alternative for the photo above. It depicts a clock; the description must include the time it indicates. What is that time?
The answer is 8:30
